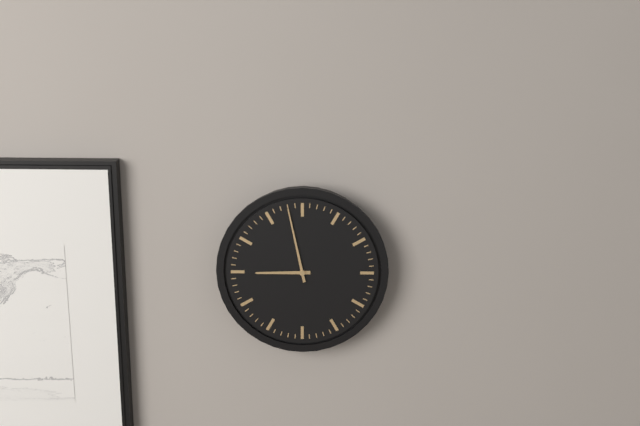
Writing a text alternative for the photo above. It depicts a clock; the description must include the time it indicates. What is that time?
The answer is 8:58
